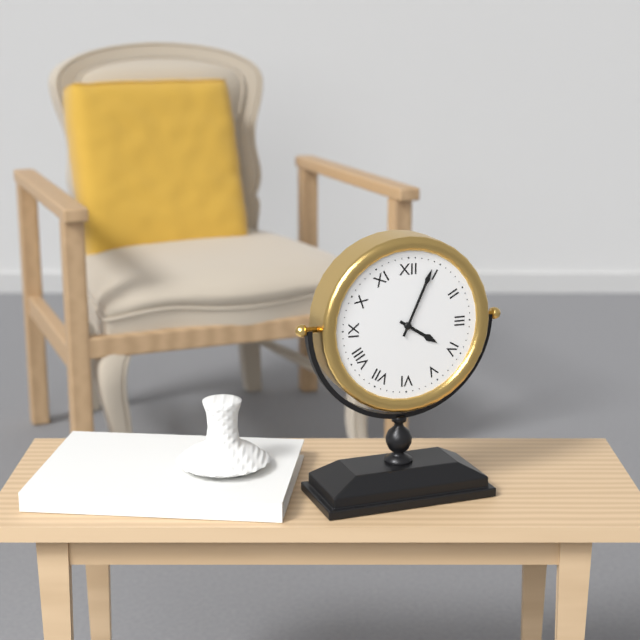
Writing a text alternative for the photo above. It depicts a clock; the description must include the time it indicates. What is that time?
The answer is 4:04
